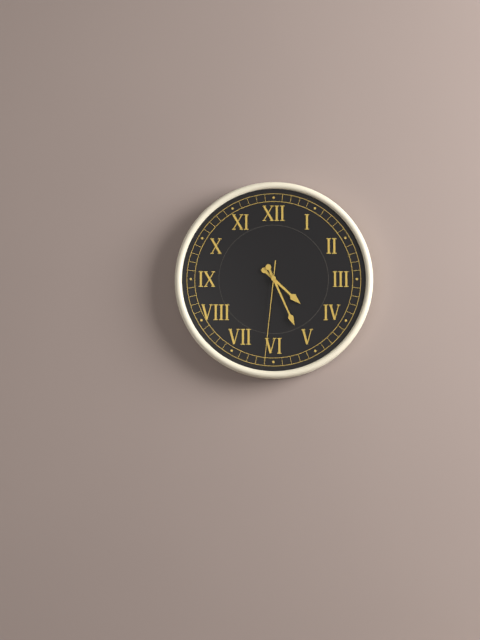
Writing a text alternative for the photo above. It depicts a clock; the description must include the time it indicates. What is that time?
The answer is 4:26:31
